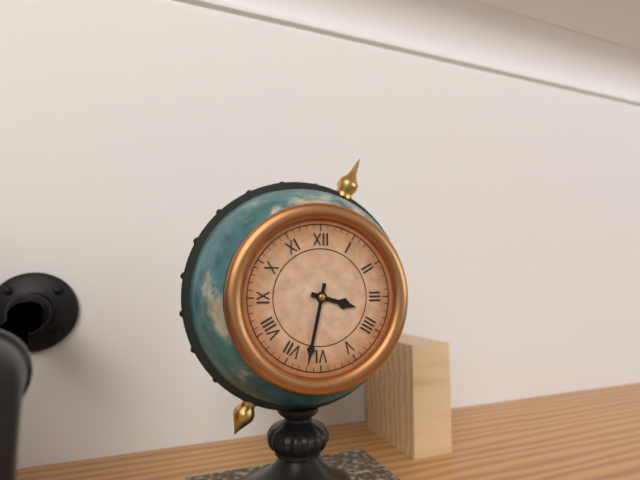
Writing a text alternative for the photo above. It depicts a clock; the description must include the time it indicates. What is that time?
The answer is 3:32
